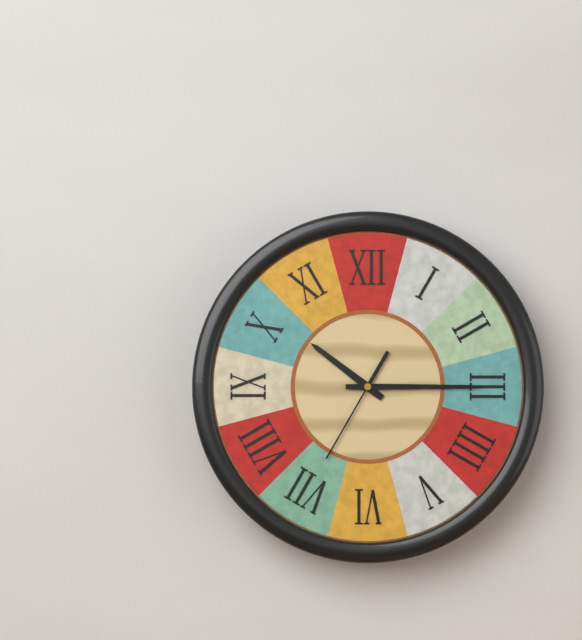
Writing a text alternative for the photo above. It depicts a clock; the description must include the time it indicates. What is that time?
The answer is 10:15:35
